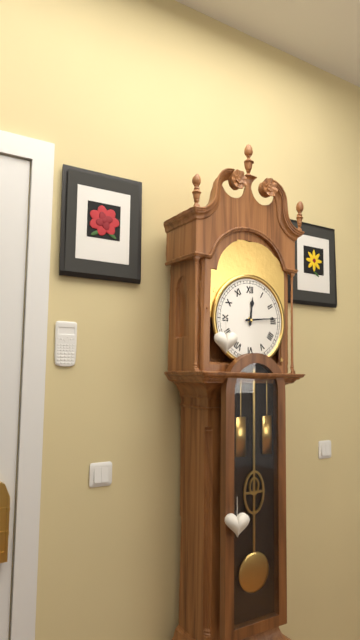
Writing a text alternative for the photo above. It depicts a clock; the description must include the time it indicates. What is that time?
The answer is 12:14
